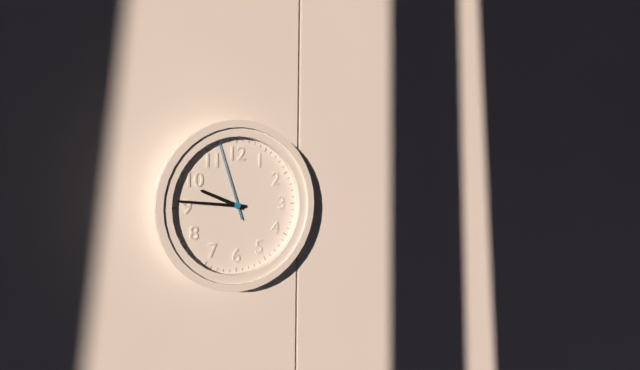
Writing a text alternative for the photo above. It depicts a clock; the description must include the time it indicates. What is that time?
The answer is 9:46:57
